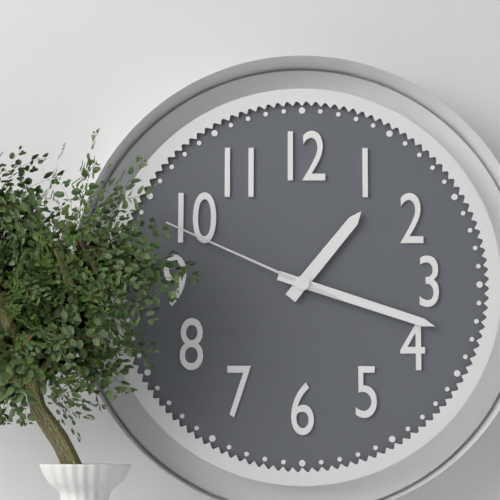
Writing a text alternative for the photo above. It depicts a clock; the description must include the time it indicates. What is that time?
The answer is 1:18:49
